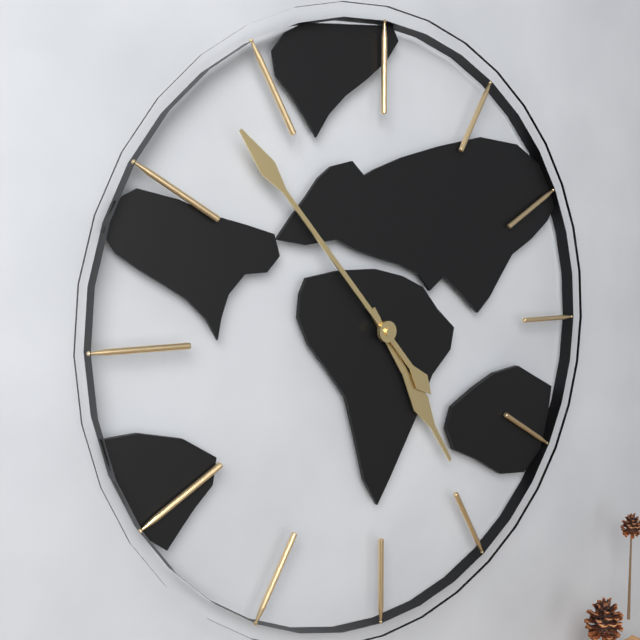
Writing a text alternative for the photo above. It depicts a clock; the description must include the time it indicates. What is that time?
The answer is 4:53
